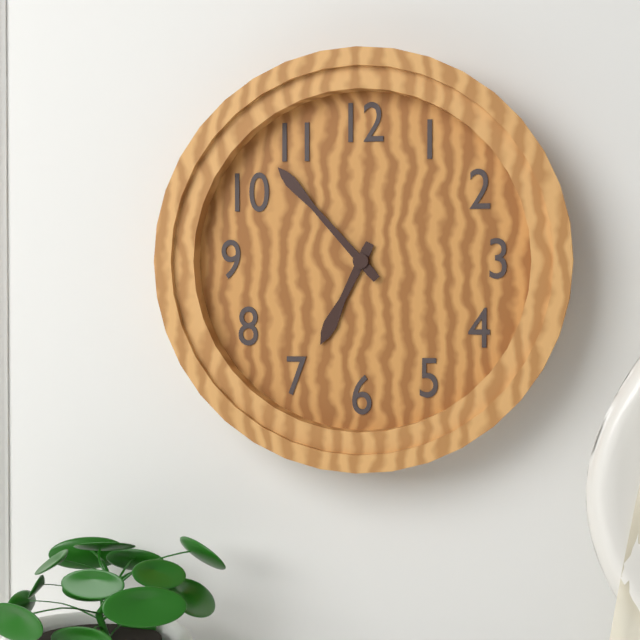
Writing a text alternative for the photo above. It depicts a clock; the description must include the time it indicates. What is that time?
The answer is 6:53
